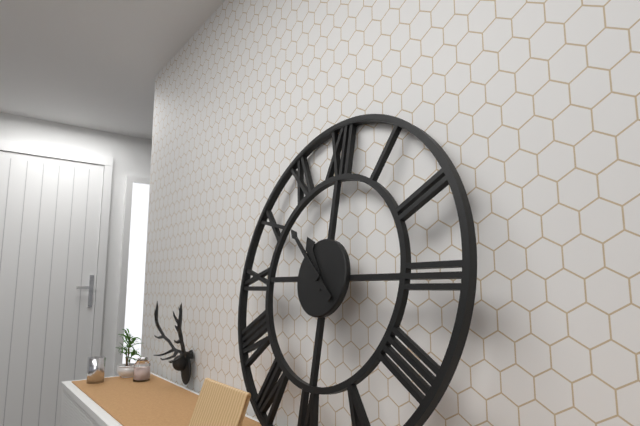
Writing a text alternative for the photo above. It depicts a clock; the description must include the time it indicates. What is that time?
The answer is 10:52
